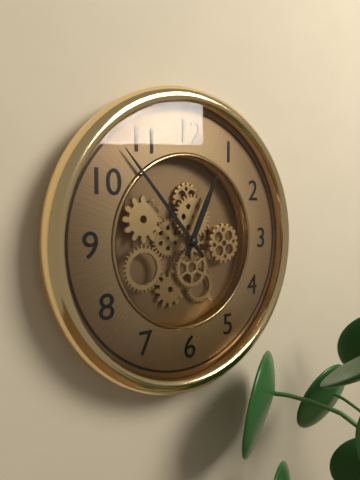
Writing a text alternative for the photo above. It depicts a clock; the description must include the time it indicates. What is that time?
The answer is 12:53
